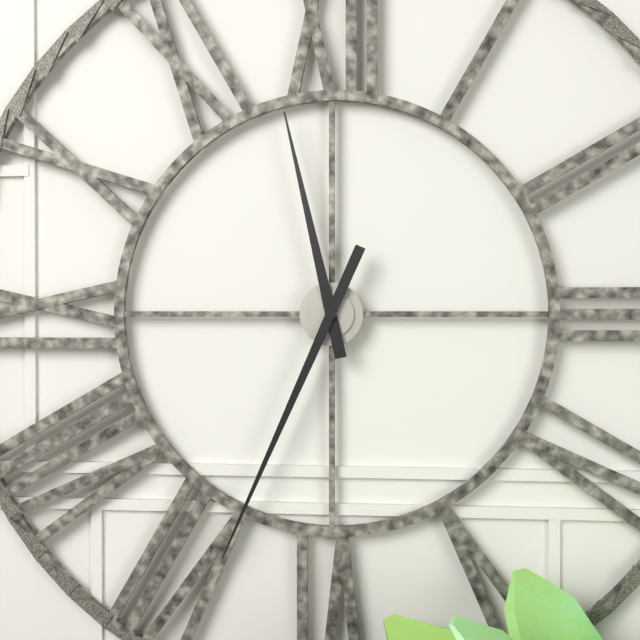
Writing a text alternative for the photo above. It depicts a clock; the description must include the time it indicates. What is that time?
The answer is 11:34
